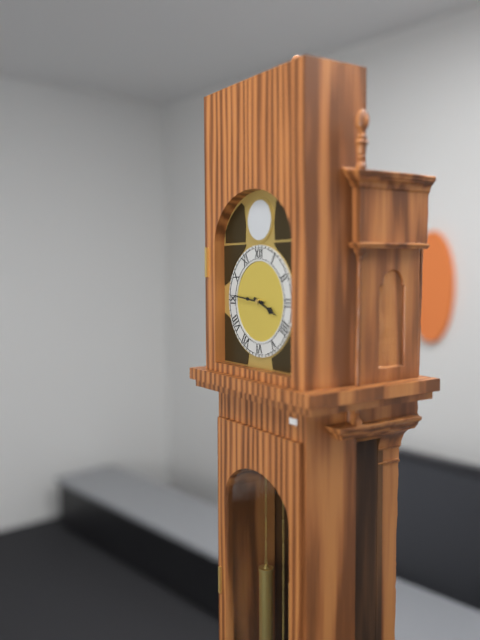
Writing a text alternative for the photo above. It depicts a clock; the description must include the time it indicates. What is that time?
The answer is 3:46
